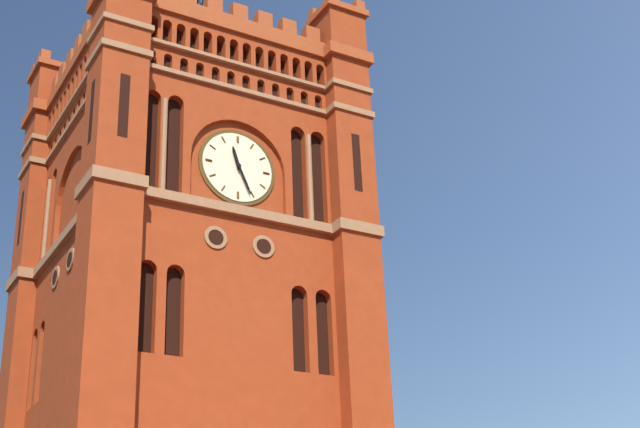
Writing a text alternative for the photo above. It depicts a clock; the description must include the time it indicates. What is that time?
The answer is 11:26
